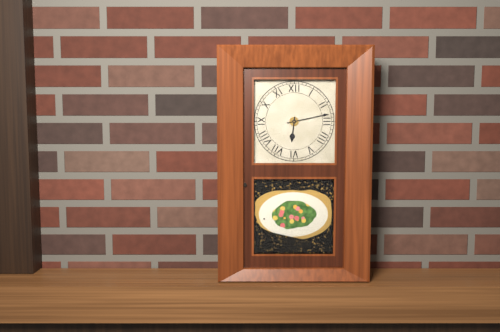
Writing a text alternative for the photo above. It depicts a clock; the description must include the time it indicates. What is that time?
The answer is 6:13
